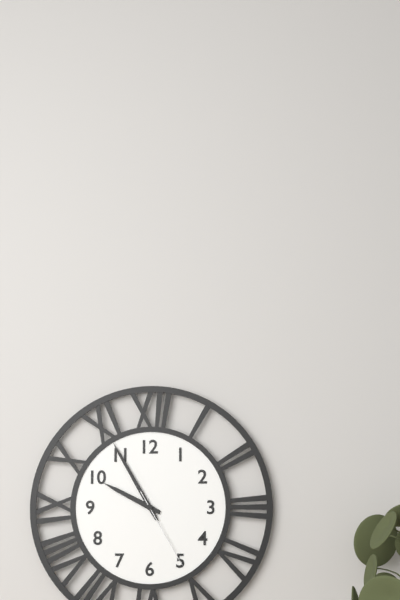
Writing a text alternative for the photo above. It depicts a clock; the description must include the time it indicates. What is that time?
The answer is 9:55:25
